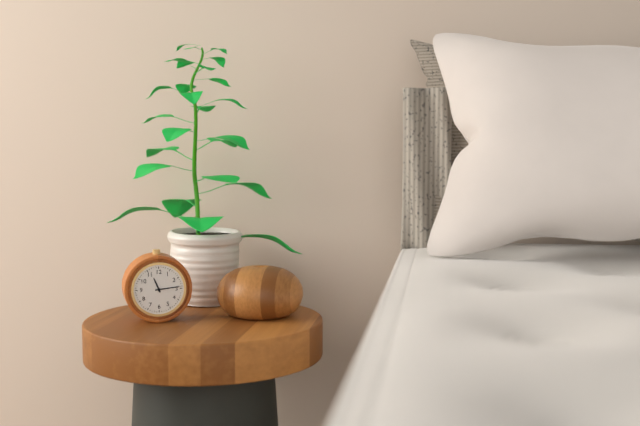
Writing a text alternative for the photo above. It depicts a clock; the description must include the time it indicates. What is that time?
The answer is 11:14
